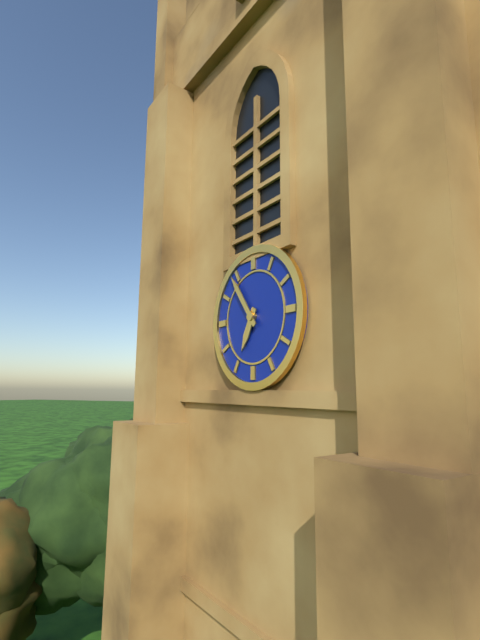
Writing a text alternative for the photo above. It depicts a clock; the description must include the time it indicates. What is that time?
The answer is 6:54
